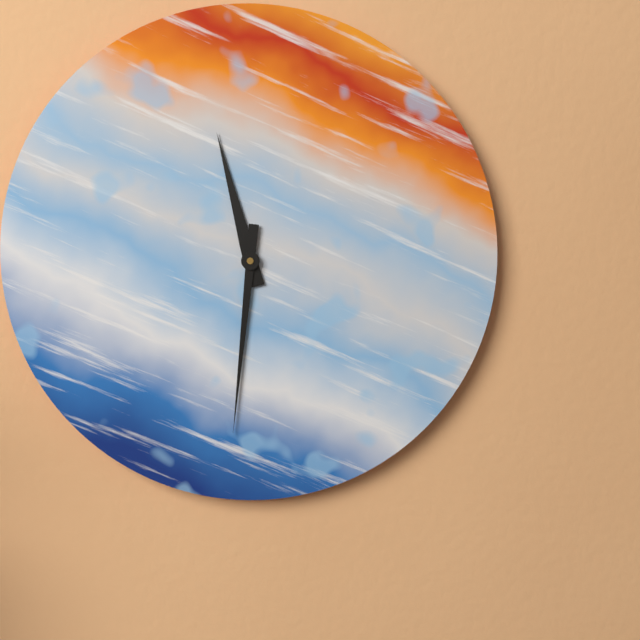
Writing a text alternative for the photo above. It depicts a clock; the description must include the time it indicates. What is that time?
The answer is 11:31
